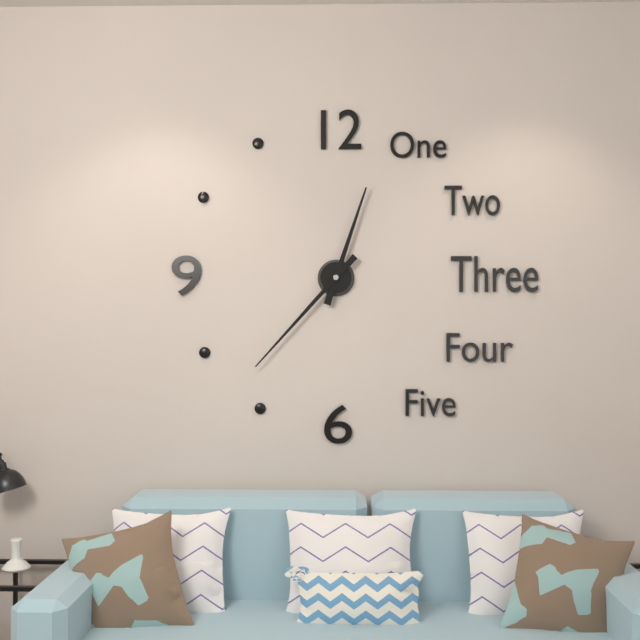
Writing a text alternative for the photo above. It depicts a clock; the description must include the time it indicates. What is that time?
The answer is 12:37
